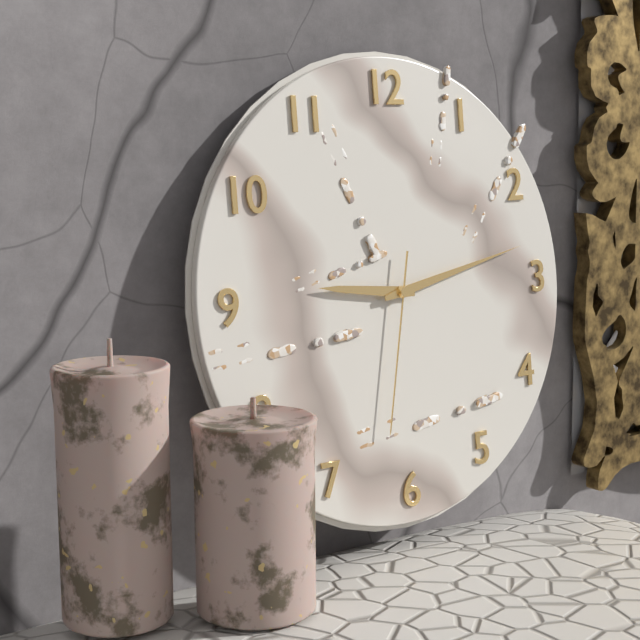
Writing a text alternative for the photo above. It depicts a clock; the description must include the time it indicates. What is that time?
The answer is 9:13:32
